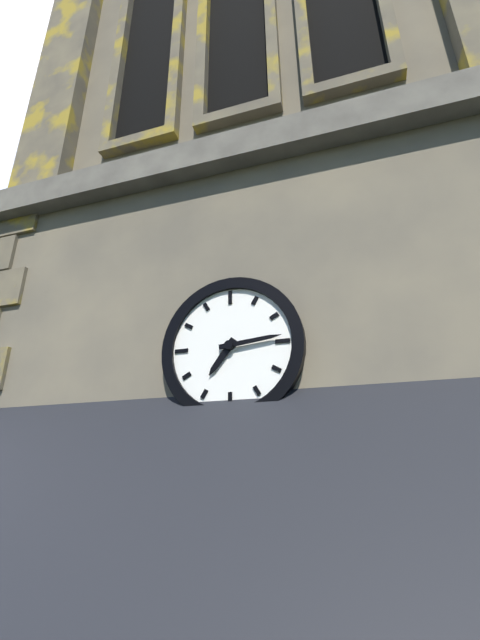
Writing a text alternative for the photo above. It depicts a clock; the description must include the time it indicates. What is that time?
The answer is 7:14
